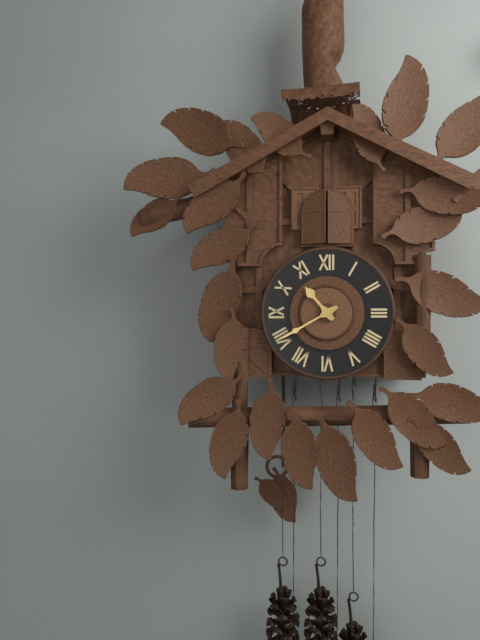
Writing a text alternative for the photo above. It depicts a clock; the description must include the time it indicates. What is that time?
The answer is 10:40
